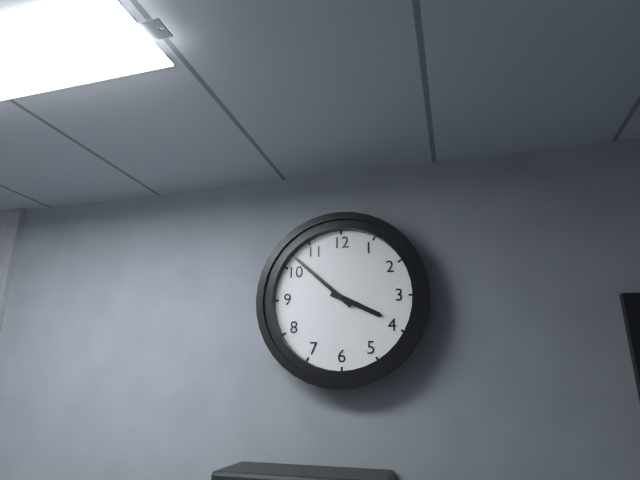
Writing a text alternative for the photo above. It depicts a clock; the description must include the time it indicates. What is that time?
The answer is 3:52
